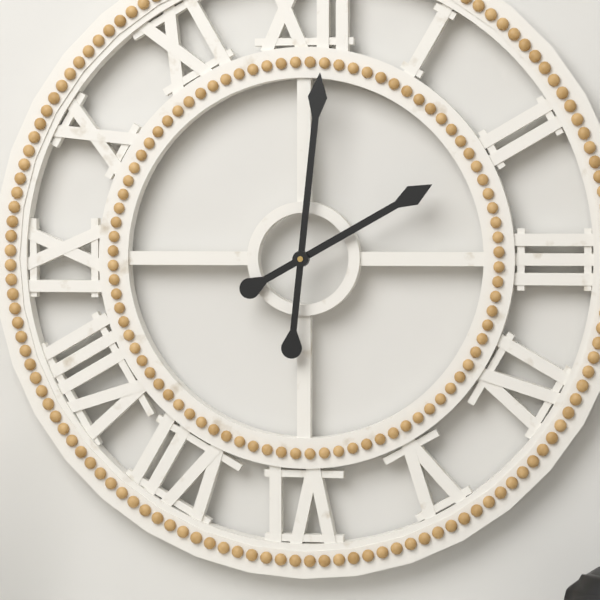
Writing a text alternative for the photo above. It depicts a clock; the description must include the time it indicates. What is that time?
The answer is 2:01
